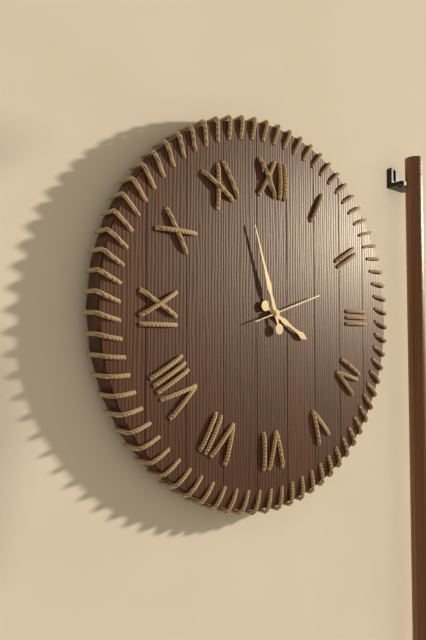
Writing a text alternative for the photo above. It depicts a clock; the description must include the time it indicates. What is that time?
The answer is 3:57:12
